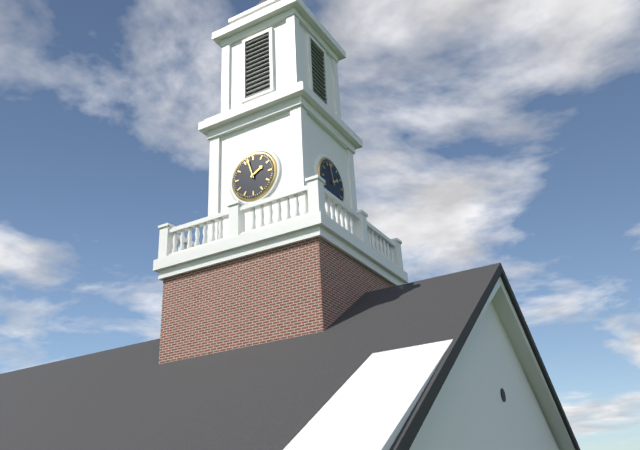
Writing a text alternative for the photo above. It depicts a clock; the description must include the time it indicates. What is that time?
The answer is 1:57
